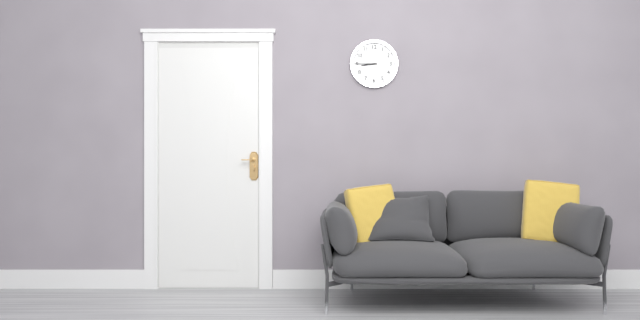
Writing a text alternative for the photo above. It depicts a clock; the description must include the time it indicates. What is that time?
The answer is 8:45
